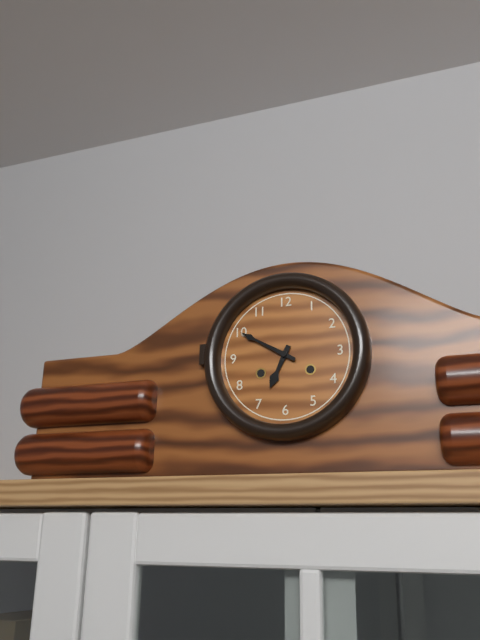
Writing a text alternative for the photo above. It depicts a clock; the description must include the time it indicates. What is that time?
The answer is 6:50
